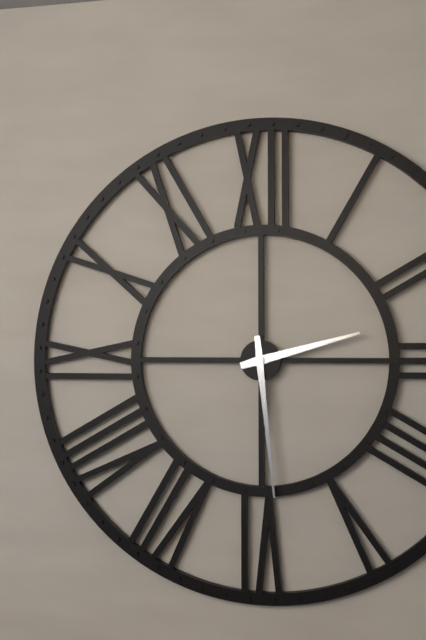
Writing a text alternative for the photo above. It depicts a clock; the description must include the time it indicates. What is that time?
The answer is 2:29
